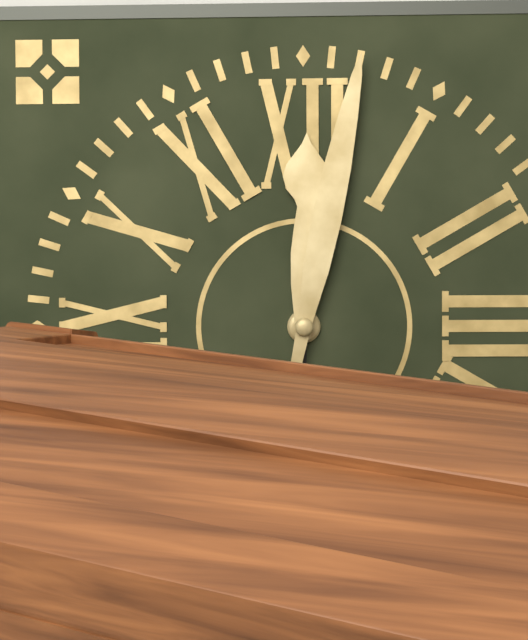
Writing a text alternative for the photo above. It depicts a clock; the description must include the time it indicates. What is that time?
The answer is 12:02
